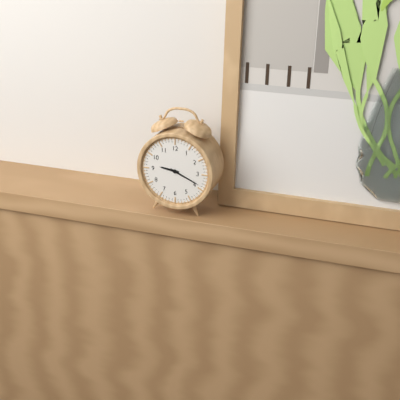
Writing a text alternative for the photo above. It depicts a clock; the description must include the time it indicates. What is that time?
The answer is 9:19
